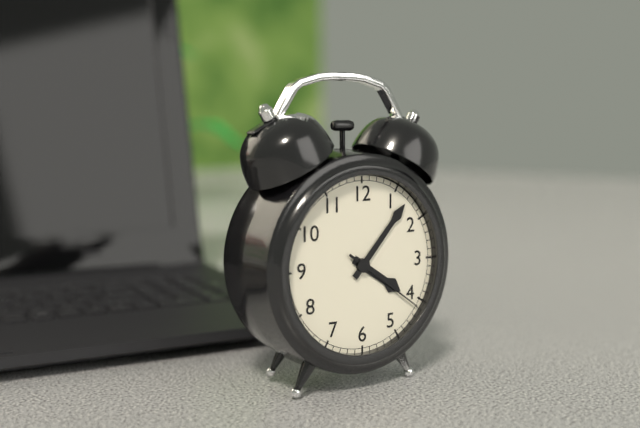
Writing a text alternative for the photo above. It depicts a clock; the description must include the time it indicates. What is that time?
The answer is 4:07:21
